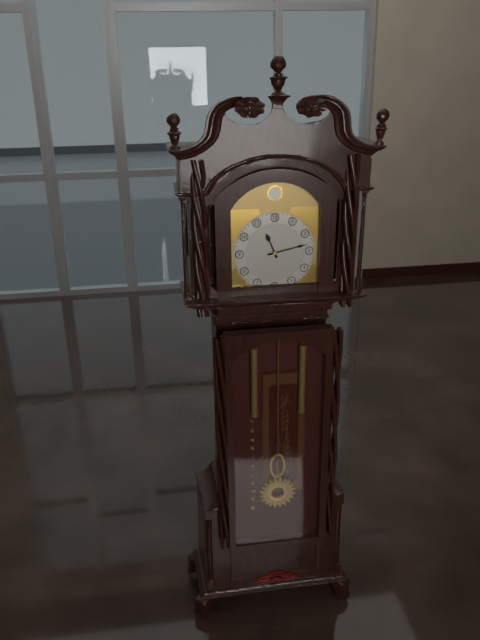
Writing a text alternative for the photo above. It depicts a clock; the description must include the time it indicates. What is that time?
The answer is 11:13
